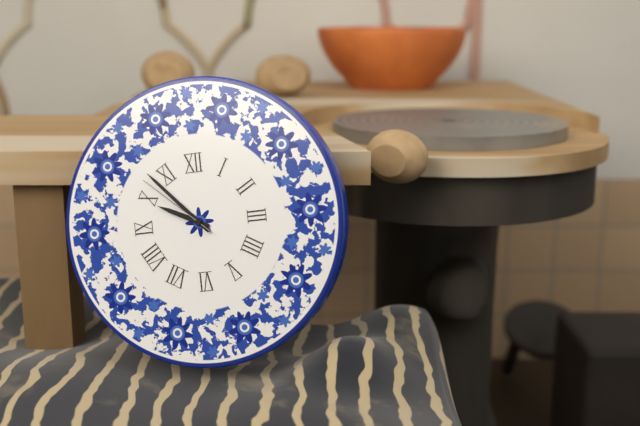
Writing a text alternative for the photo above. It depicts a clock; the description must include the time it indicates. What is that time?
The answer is 9:53:52
